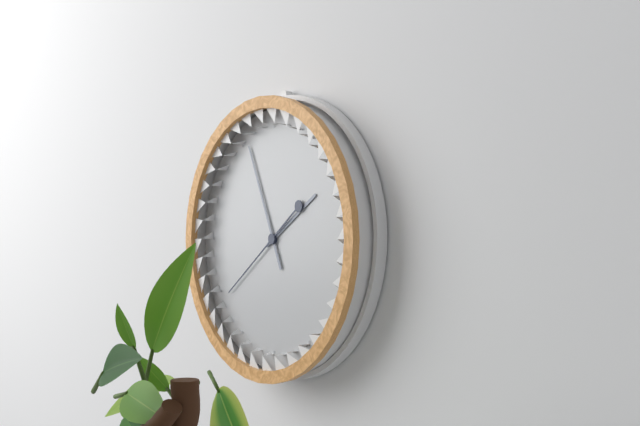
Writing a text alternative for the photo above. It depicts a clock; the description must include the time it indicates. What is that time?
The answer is 1:56:39
